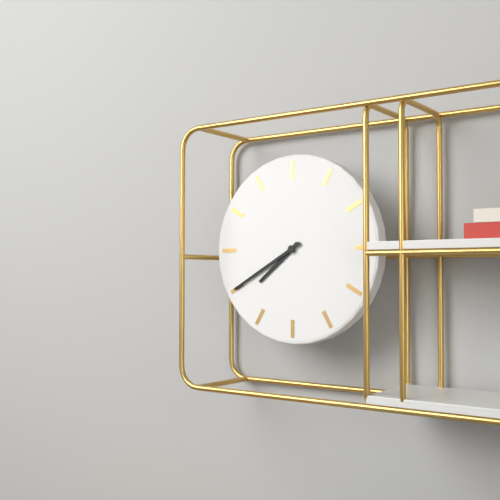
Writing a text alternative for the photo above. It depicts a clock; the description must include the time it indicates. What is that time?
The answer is 7:40
